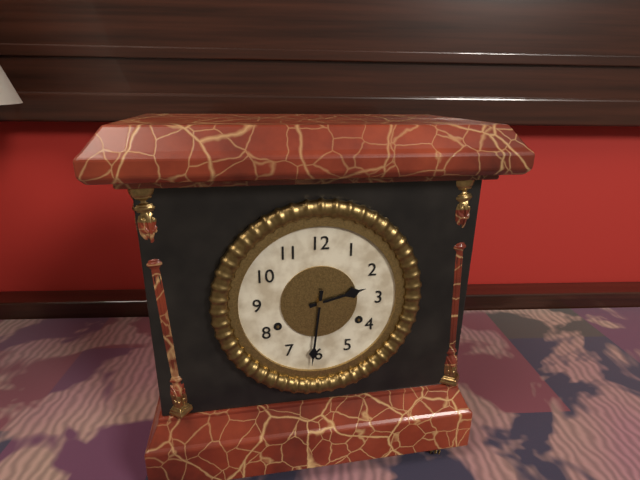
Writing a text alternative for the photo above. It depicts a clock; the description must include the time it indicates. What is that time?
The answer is 2:31
